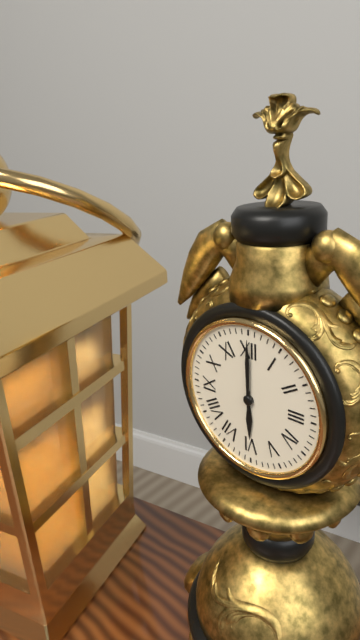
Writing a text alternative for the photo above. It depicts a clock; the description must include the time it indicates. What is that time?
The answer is 6:00
